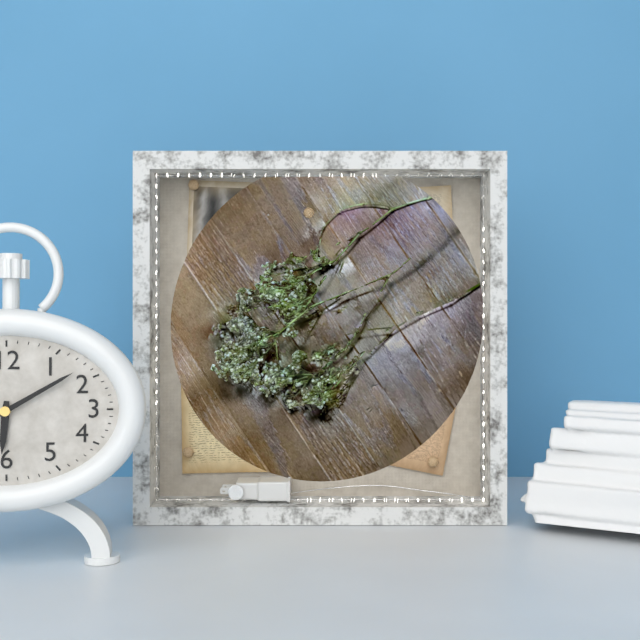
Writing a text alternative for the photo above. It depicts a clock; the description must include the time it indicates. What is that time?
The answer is 6:10
